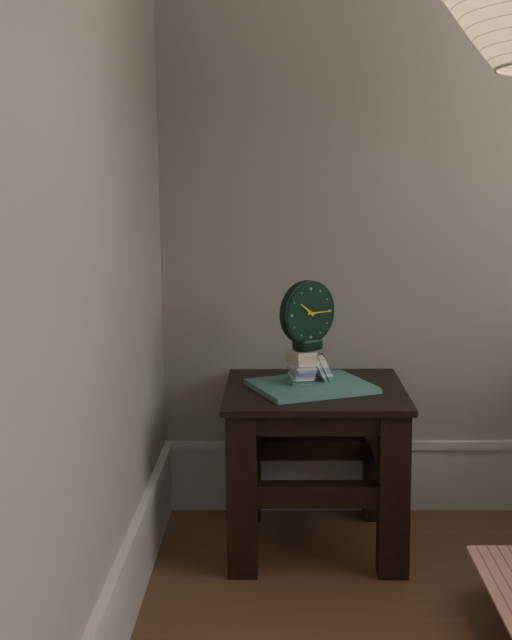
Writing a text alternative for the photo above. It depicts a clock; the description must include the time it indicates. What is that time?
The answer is 10:15
